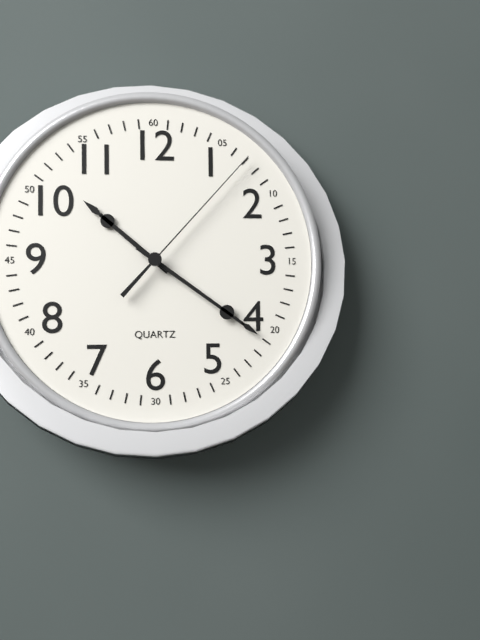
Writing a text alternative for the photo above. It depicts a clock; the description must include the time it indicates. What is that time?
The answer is 10:21:07
